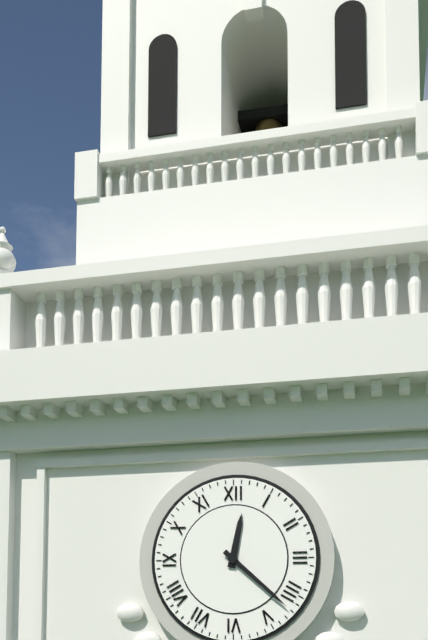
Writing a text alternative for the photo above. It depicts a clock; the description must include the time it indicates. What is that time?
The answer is 12:22
